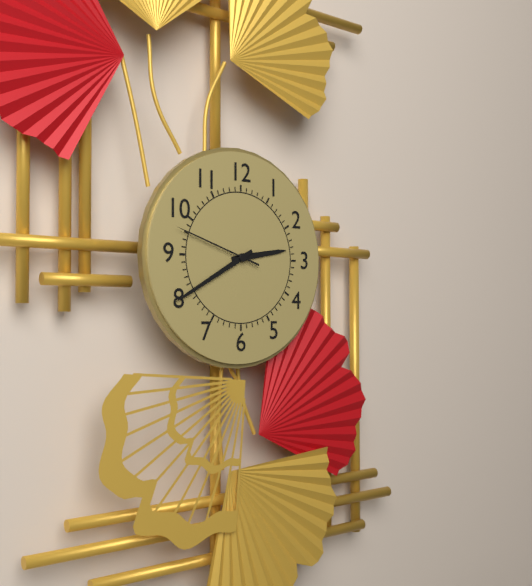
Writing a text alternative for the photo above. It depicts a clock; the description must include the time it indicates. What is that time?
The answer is 2:40:48
